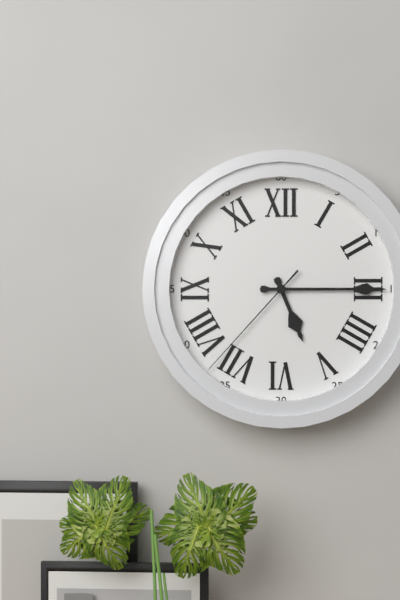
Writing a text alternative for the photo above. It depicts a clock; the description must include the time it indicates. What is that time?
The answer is 5:15:37
